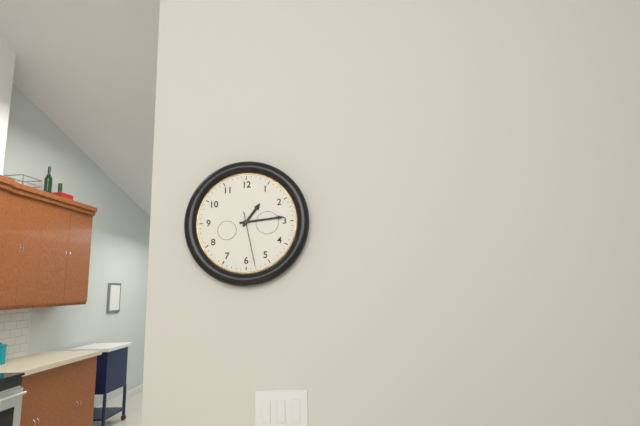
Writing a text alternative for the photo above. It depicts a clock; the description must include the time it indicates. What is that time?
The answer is 1:14:28
